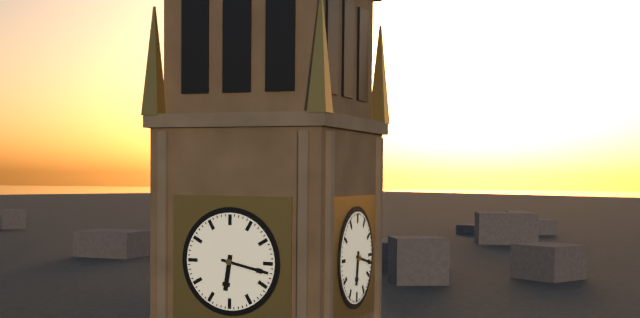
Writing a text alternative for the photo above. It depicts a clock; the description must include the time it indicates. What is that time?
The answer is 6:17
